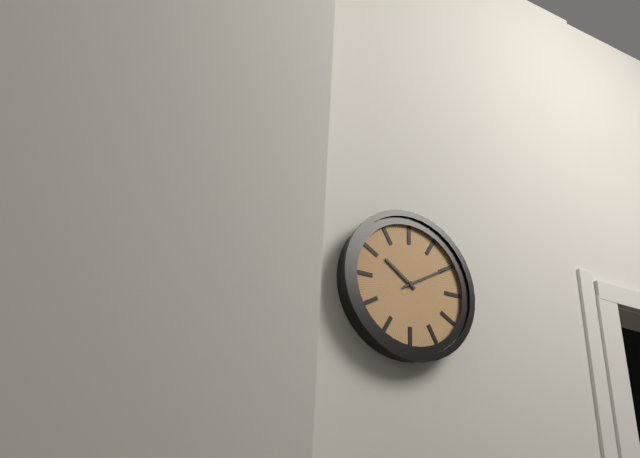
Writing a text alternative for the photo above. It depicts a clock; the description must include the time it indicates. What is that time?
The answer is 10:10
